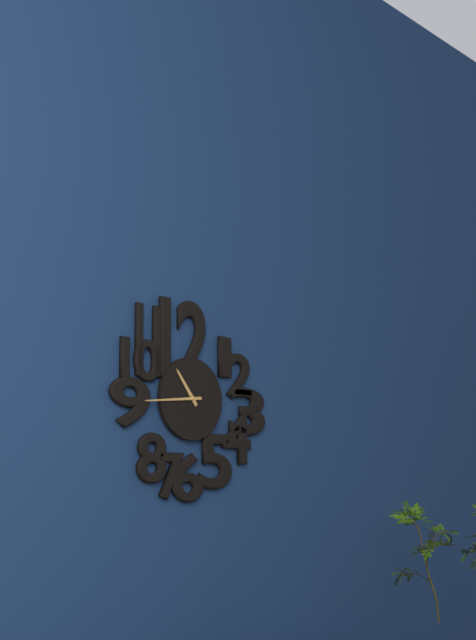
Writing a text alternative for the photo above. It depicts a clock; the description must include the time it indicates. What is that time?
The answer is 10:44
